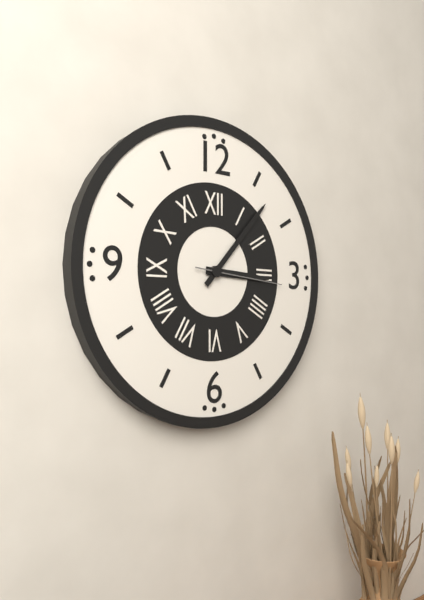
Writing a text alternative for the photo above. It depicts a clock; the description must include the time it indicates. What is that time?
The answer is 3:07:16
